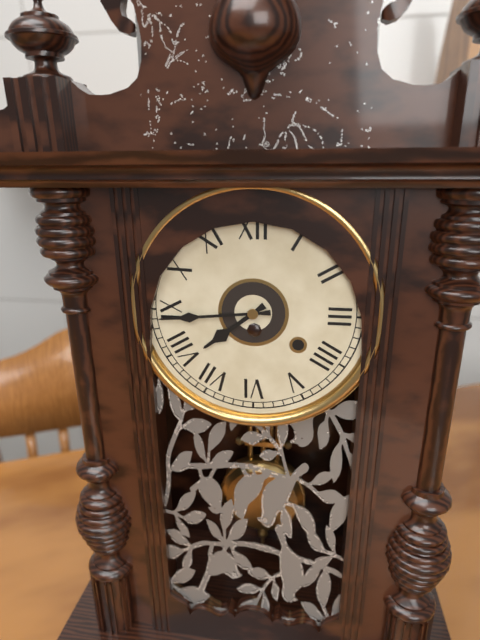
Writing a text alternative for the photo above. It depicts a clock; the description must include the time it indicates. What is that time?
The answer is 7:44
